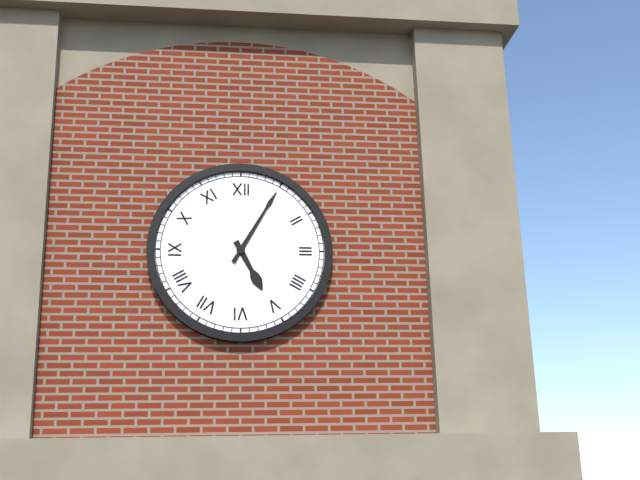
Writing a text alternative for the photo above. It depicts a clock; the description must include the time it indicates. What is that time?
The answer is 5:05
